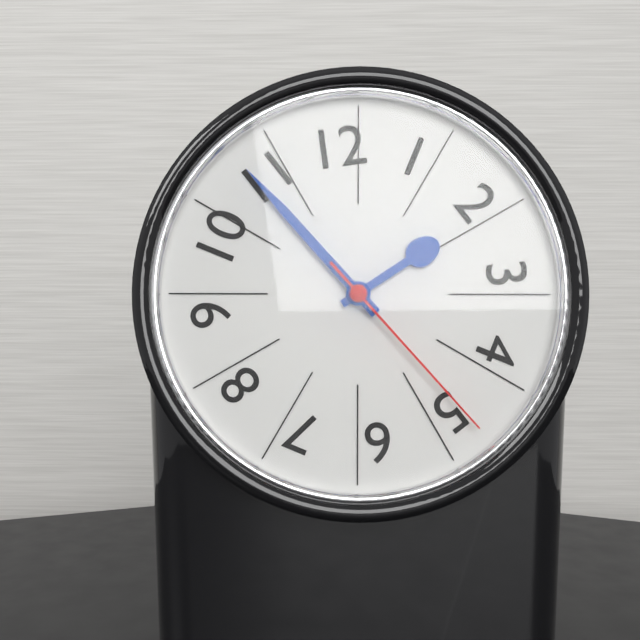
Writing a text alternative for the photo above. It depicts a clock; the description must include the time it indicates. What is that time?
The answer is 1:53:23
